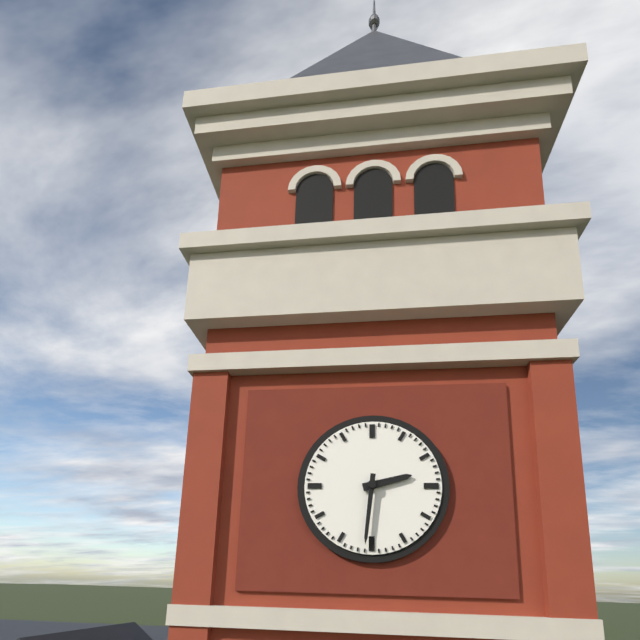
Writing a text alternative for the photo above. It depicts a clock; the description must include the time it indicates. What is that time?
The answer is 2:31
